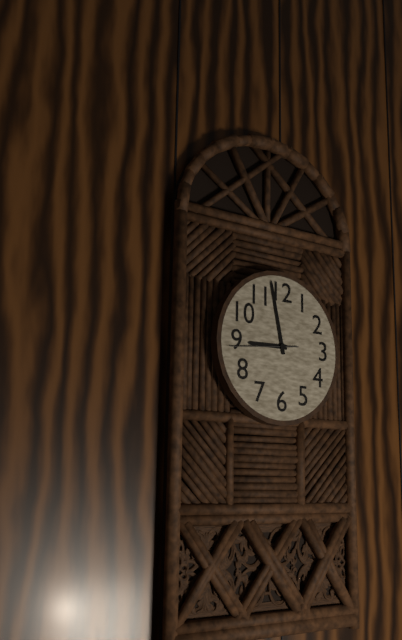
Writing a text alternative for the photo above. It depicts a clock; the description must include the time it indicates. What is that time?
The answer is 8:58:44
